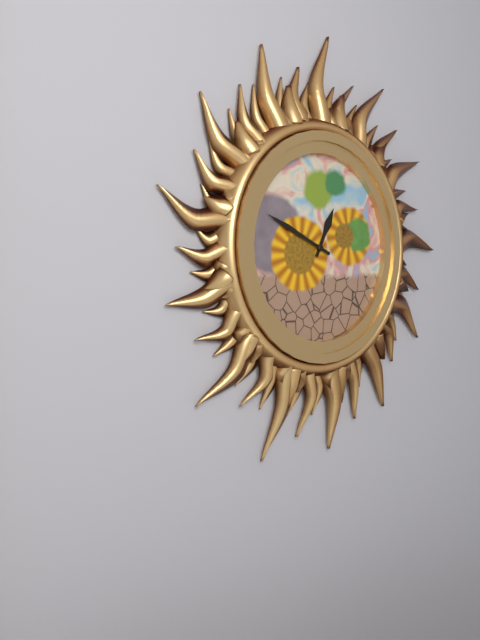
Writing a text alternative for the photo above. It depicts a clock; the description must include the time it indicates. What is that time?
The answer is 12:49
